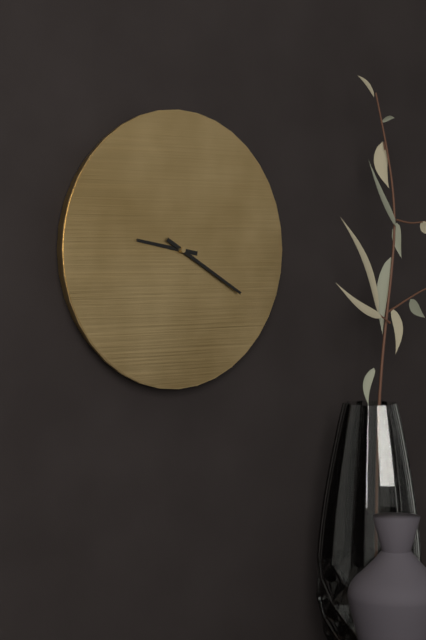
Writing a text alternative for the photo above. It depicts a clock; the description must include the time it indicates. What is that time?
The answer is 9:20
